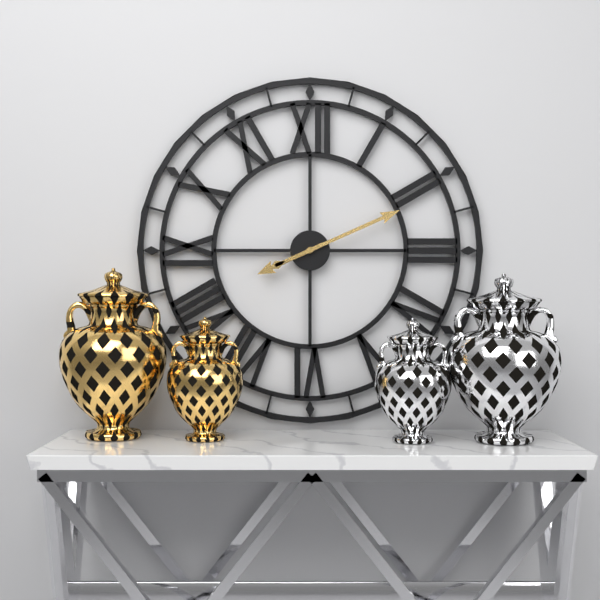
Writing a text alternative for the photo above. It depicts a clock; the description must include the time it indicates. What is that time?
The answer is 8:11
